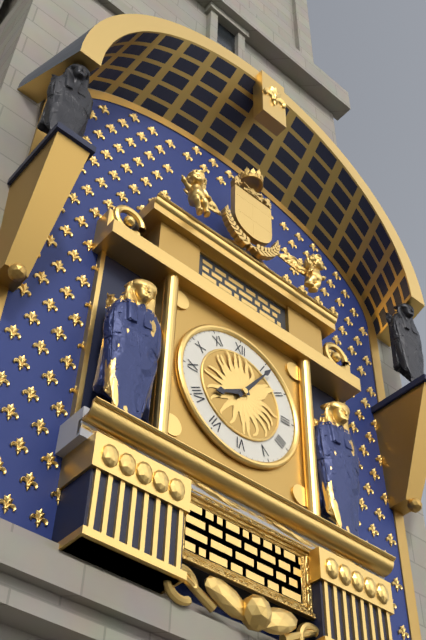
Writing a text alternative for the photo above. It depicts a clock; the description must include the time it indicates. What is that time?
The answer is 8:06
